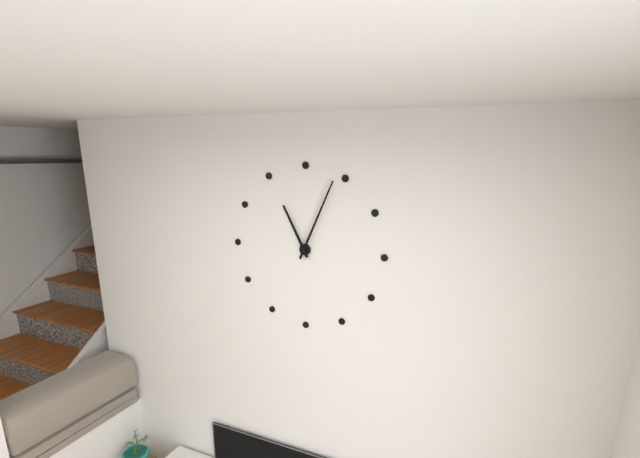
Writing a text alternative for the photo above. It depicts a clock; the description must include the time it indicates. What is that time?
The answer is 11:04
